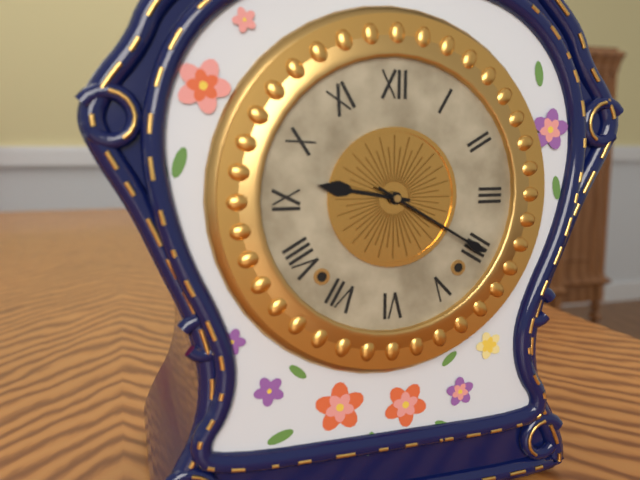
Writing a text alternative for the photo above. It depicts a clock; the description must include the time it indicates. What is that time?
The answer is 9:20
